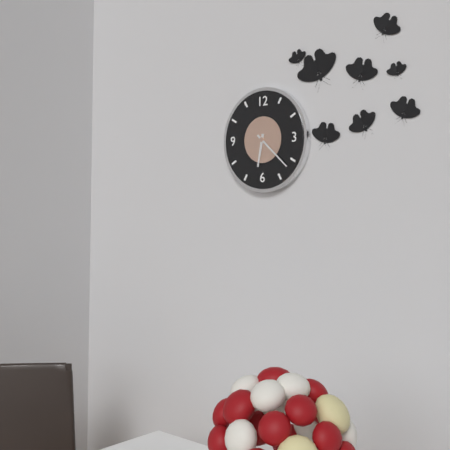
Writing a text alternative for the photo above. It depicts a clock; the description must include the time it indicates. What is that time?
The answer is 6:22
